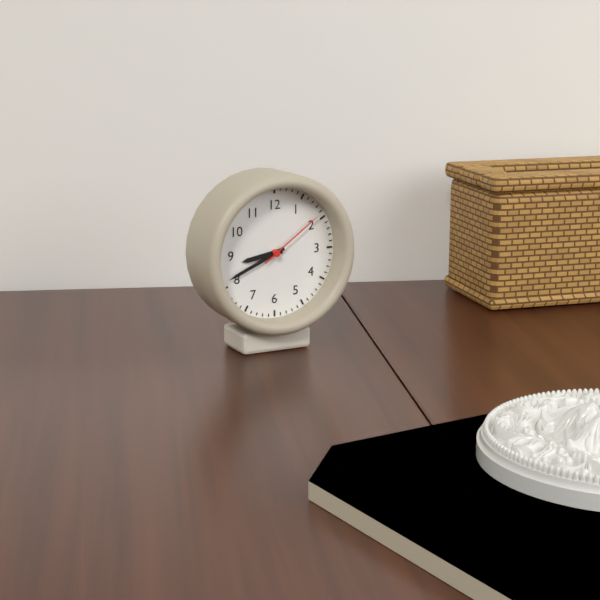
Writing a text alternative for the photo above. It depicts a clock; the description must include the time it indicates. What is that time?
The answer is 8:41:09
